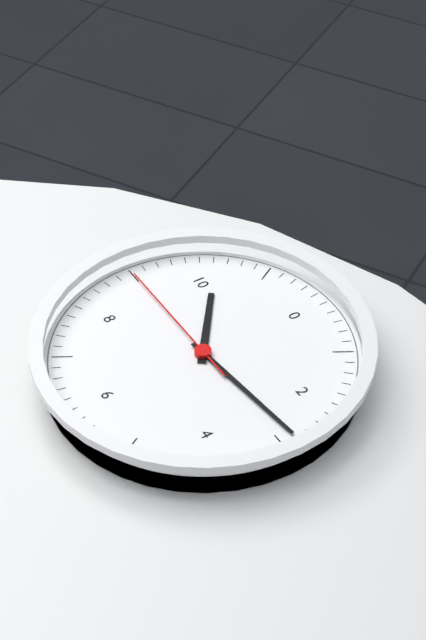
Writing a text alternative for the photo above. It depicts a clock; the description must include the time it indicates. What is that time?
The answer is 10:14:45
